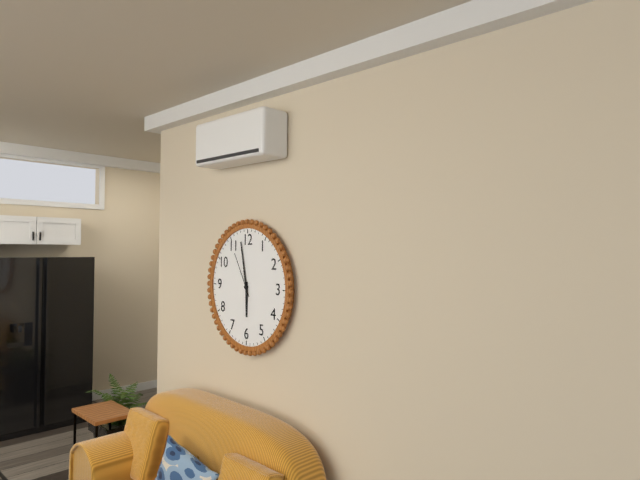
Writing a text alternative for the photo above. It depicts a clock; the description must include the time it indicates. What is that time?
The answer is 5:58
